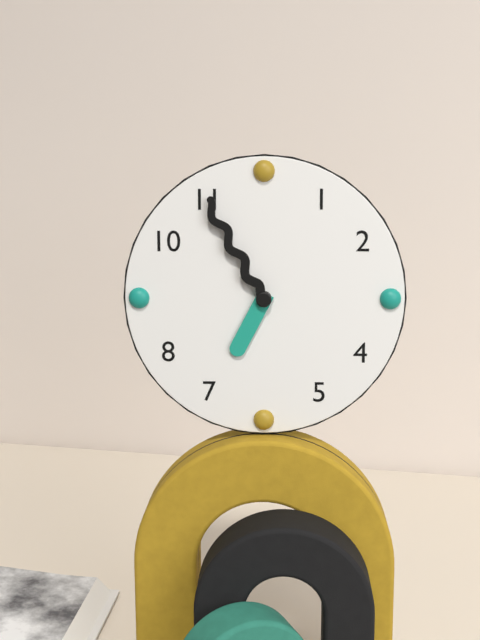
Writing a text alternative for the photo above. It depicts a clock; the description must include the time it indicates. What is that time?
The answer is 6:55
